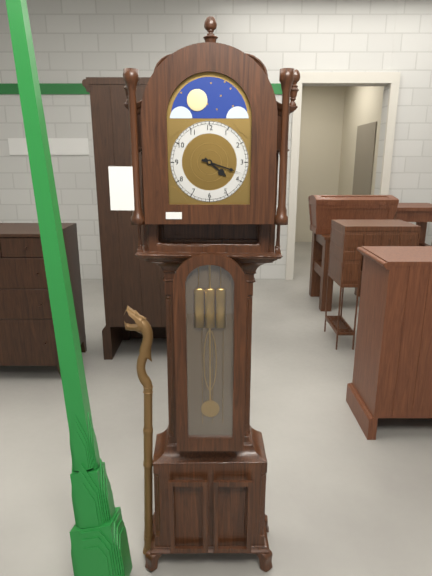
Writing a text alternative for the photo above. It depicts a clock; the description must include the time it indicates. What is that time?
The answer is 4:18
